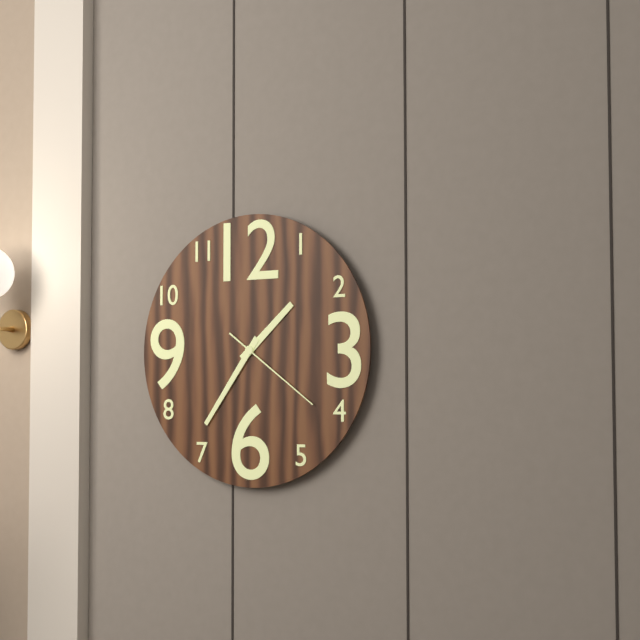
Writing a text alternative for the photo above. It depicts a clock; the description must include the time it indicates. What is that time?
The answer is 1:36:21
